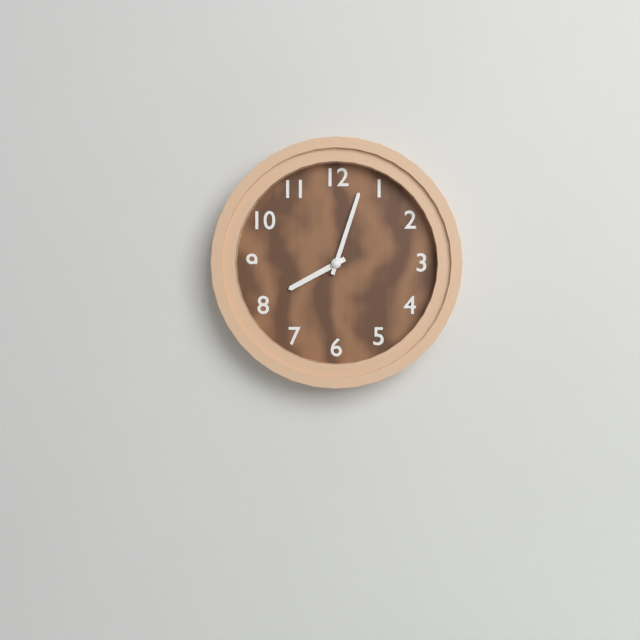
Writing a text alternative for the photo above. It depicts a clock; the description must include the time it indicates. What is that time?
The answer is 8:03
